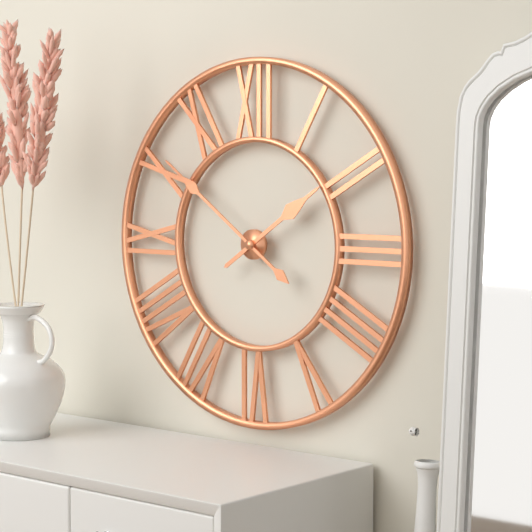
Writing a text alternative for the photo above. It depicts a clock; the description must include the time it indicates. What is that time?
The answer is 1:51
